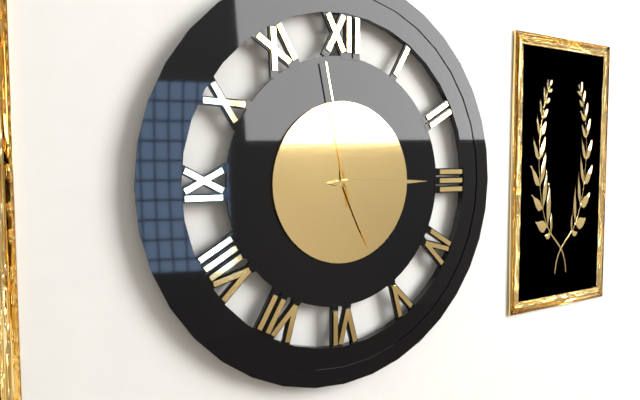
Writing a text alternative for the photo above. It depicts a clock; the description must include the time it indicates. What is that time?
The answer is 5:15:58
